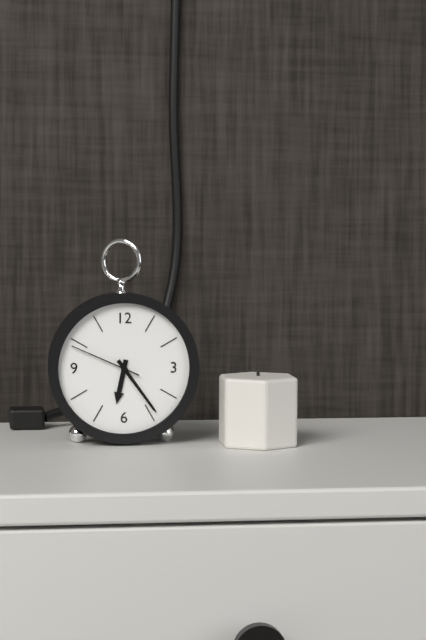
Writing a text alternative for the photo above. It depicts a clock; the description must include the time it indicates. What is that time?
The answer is 6:24:49
